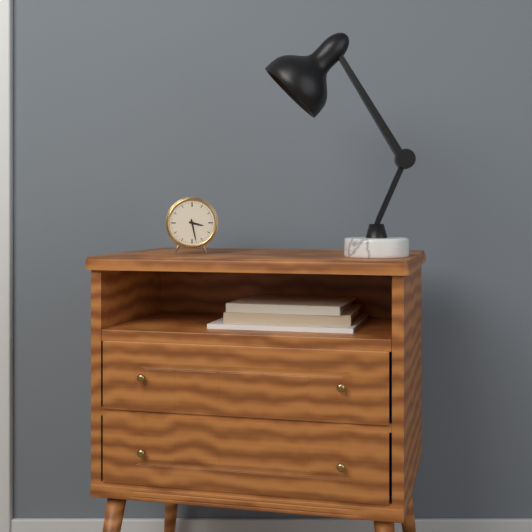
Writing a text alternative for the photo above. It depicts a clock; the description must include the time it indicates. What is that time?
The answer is 3:28
